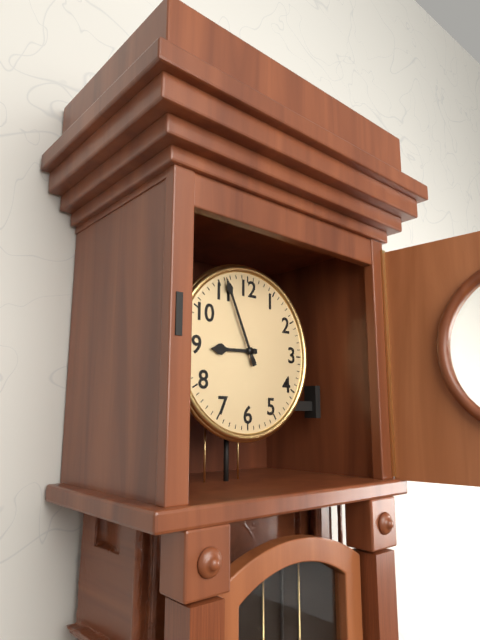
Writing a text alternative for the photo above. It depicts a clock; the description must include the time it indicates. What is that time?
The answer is 8:56
